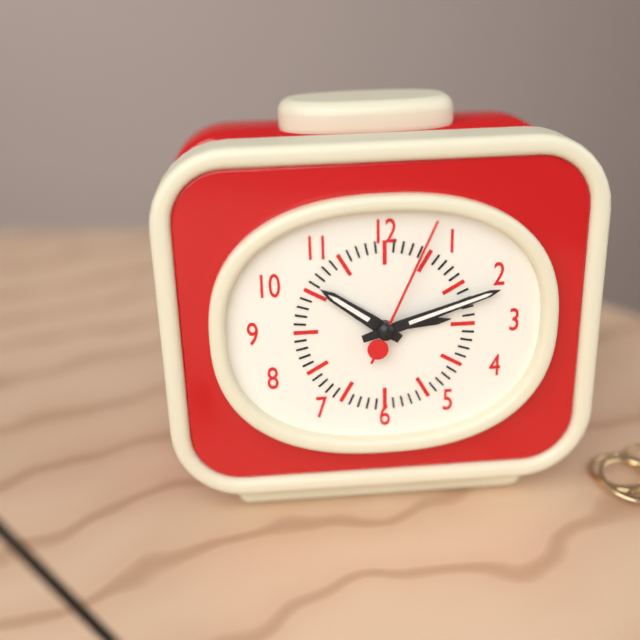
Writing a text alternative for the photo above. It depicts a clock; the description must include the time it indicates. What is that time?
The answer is 10:12:04
